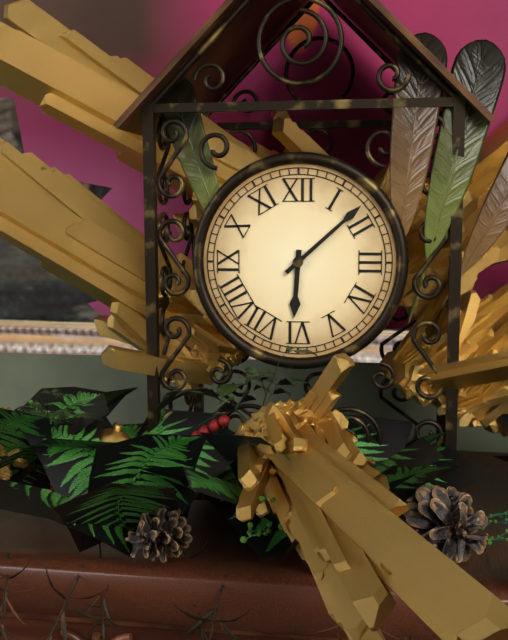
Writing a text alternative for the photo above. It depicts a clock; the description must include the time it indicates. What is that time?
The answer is 6:08
